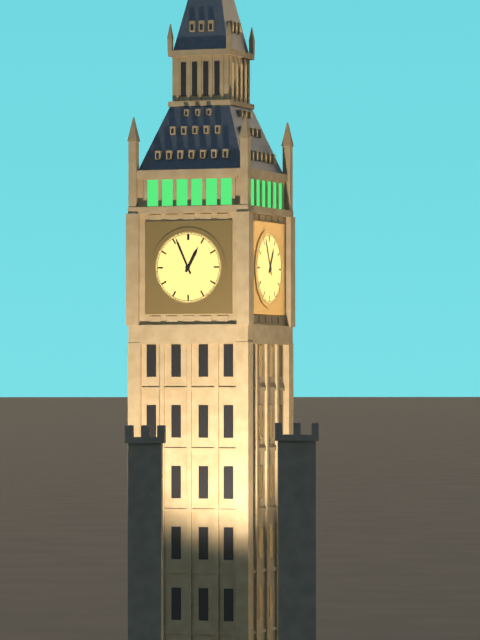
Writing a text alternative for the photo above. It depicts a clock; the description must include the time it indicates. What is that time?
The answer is 12:56
